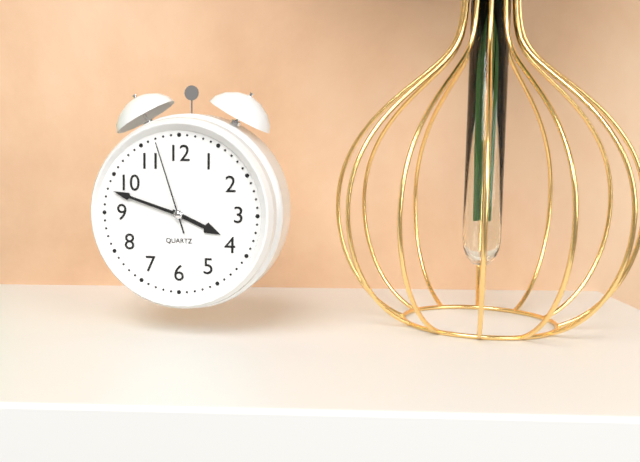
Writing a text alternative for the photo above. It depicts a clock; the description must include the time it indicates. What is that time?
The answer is 3:48:57
